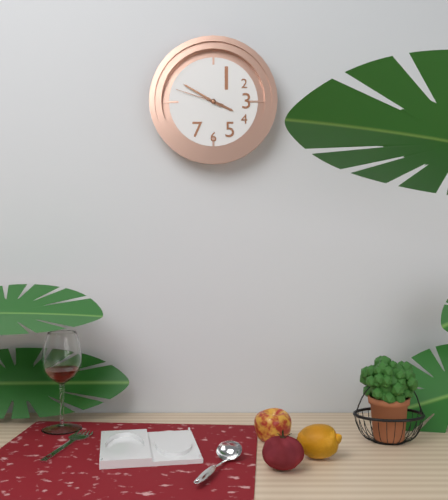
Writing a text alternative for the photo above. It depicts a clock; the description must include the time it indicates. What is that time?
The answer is 3:50
